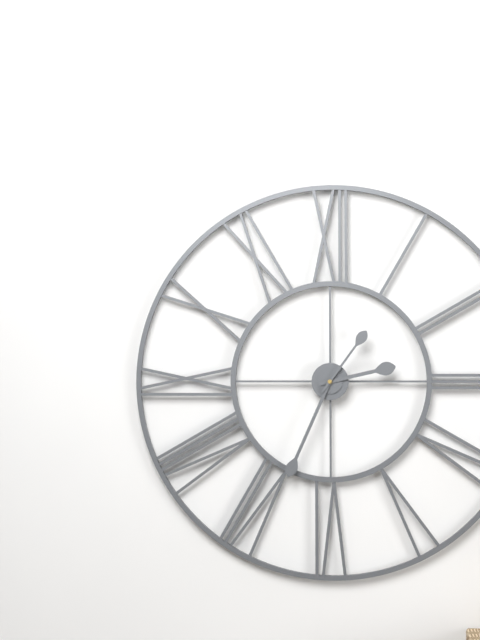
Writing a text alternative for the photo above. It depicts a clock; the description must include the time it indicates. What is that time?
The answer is 2:34:06
